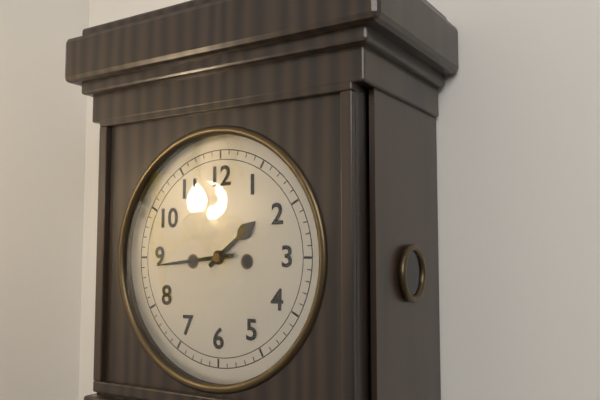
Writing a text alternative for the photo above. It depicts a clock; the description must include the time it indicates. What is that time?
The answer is 1:44
